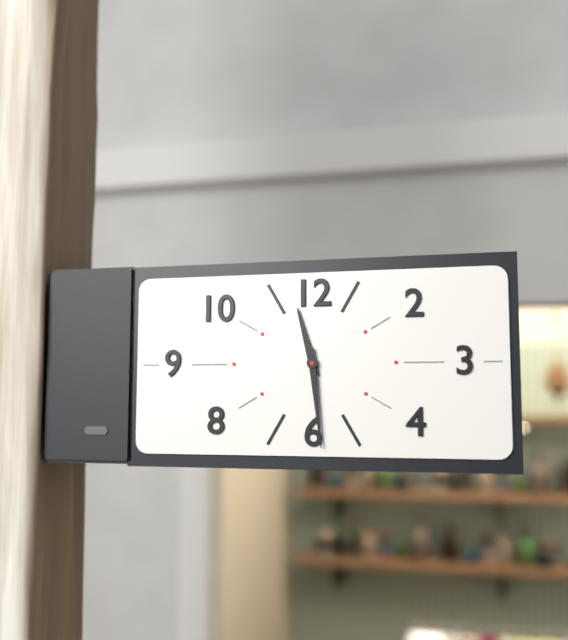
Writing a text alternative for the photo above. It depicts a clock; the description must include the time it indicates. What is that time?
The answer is 11:29
